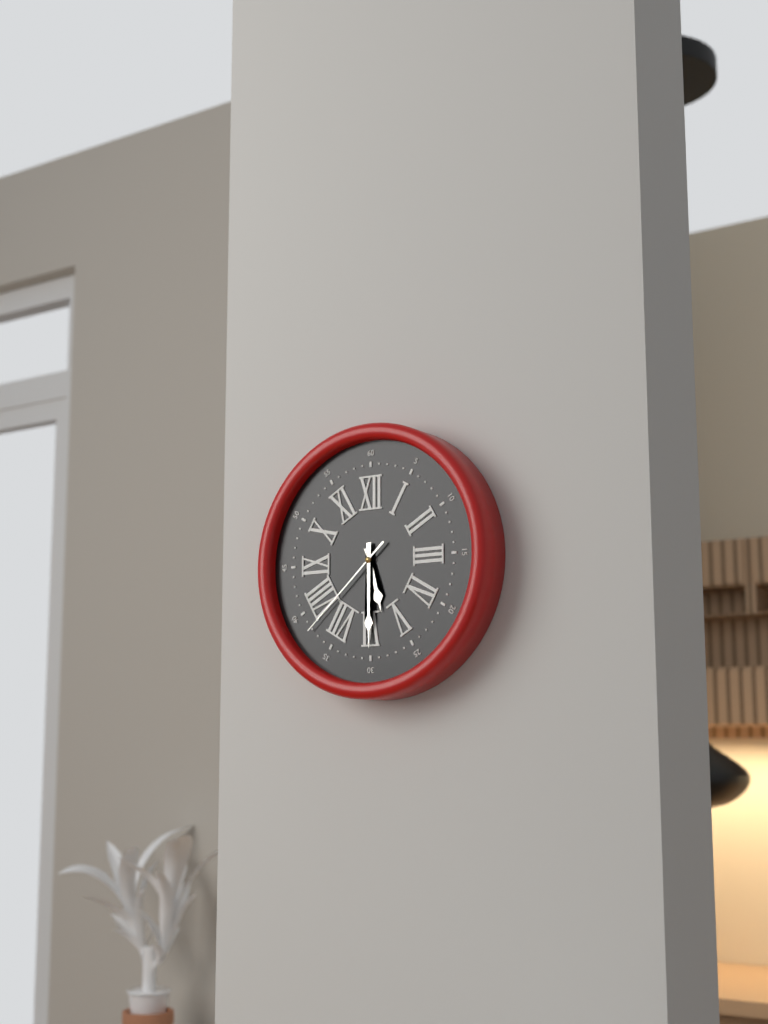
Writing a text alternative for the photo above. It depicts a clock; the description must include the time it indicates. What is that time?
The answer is 5:30:38
